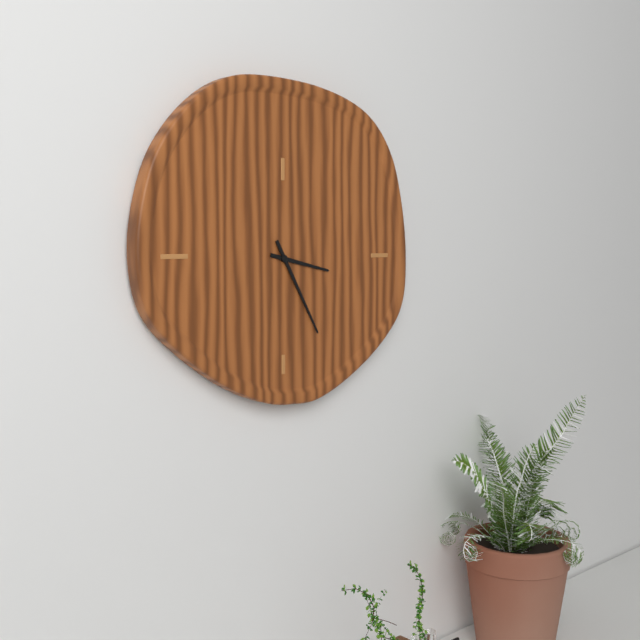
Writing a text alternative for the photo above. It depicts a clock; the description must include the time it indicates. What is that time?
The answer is 3:25
